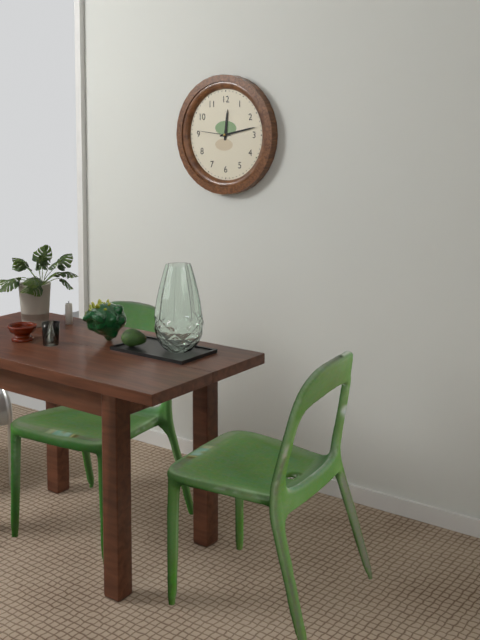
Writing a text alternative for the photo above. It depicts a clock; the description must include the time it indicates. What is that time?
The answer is 12:13
